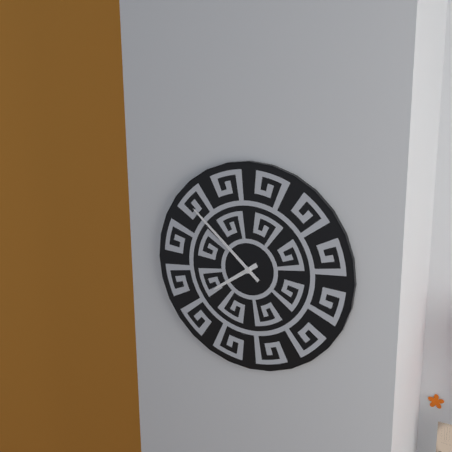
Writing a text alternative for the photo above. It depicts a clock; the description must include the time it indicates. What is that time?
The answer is 7:52
